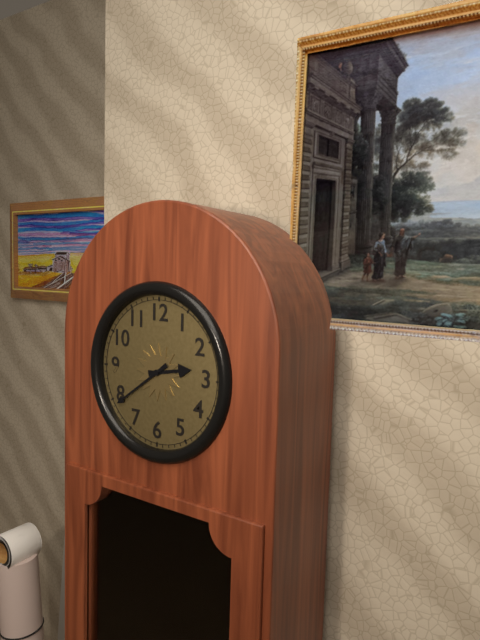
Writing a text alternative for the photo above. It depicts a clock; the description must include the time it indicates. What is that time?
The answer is 2:39
